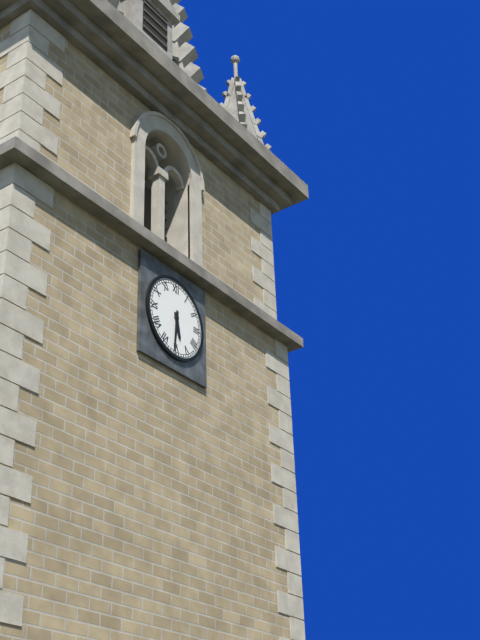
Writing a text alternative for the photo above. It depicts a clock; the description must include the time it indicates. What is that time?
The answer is 5:31
